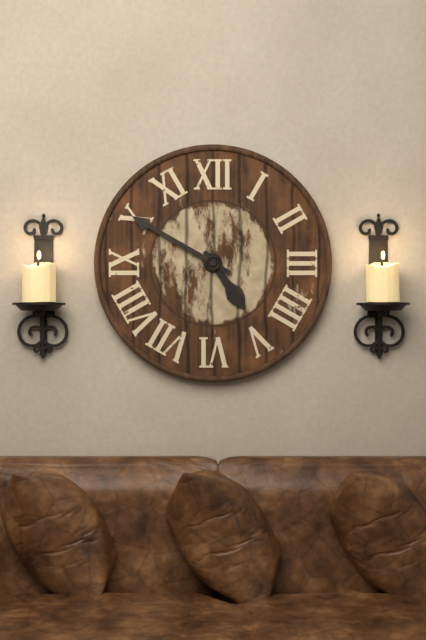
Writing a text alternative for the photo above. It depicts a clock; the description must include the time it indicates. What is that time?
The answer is 4:50
